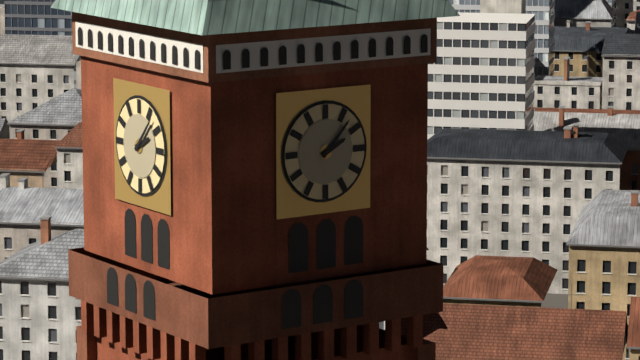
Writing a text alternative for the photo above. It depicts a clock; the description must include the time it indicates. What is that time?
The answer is 2:07
